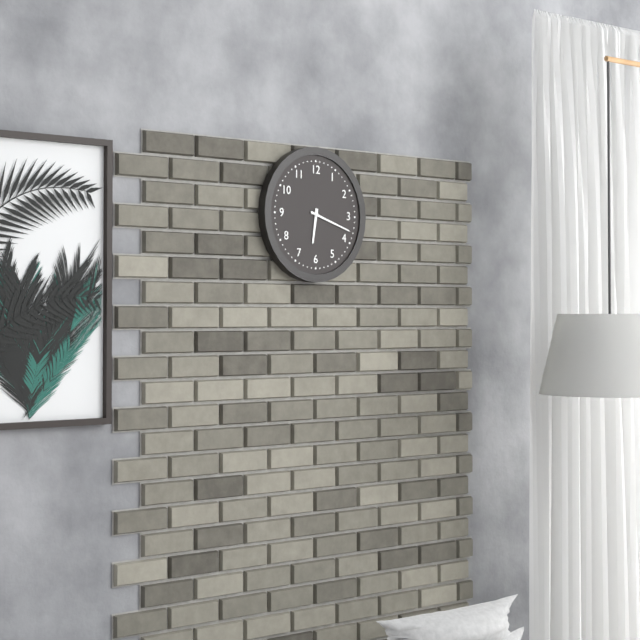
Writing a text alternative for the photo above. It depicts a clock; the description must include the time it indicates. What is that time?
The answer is 6:18
